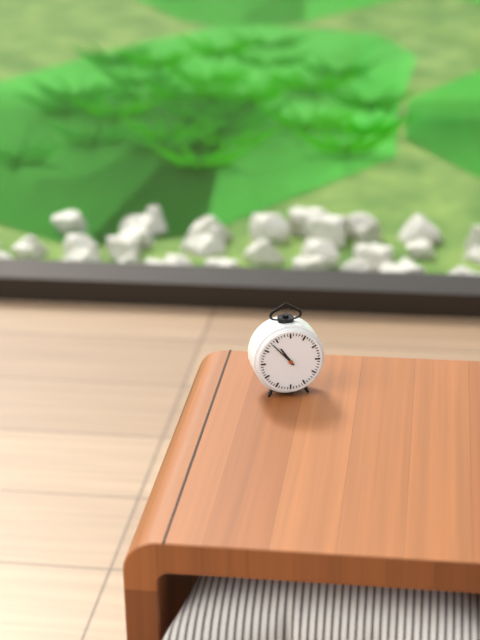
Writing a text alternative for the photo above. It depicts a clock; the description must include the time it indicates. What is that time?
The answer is 10:53
